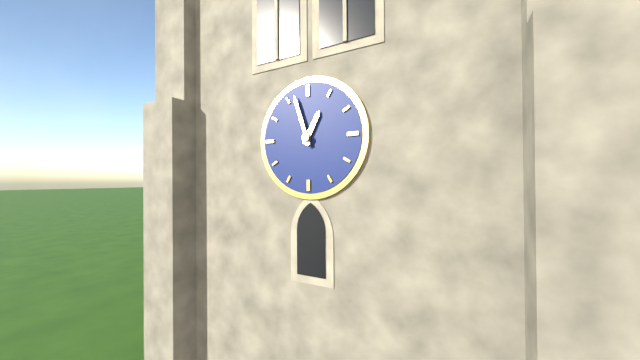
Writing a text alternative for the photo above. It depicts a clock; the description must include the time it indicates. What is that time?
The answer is 12:57
